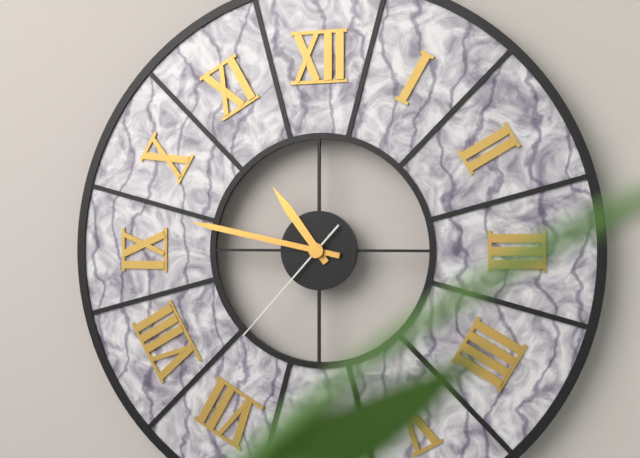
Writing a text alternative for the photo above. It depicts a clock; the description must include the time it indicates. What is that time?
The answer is 10:47:37
